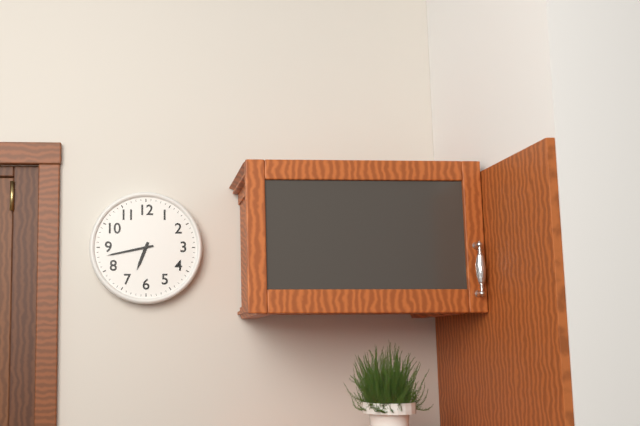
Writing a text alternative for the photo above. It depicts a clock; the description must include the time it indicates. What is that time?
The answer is 6:43
